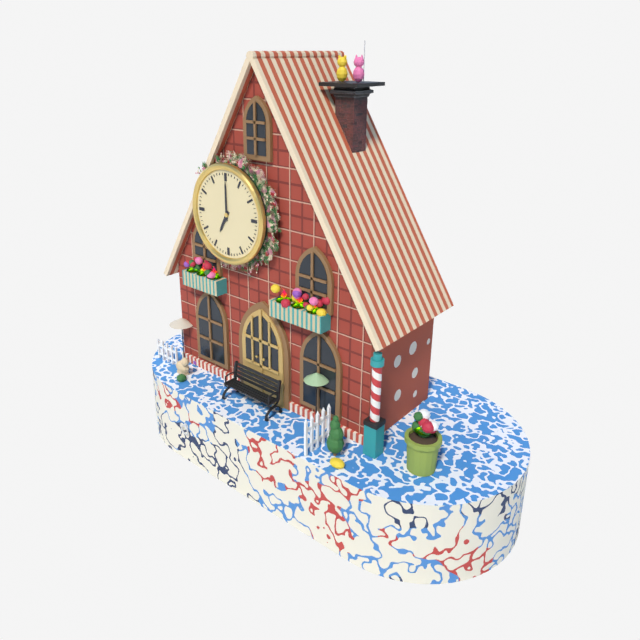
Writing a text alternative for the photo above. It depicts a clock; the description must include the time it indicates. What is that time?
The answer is 7:00
